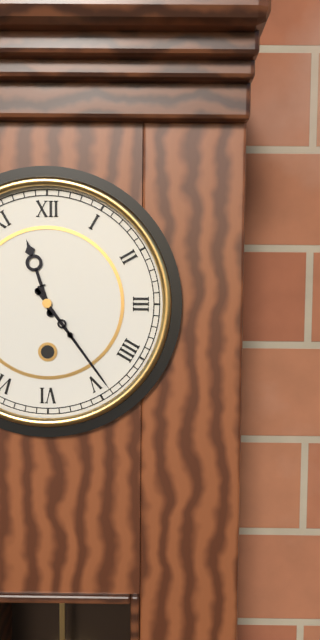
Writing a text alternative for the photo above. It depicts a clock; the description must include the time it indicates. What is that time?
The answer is 11:24
